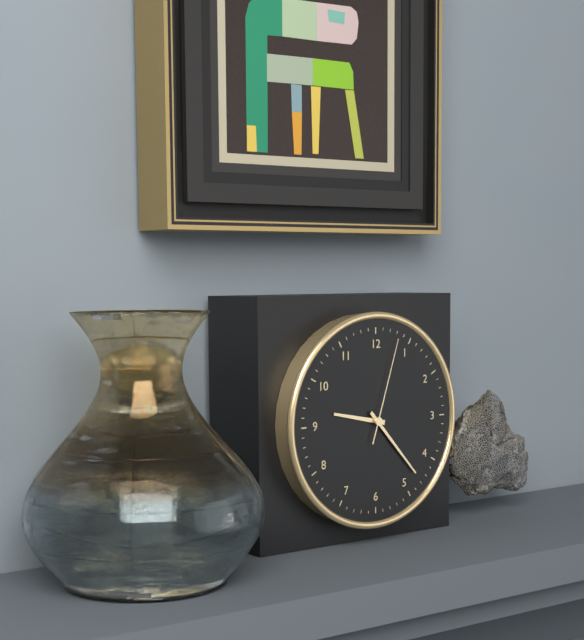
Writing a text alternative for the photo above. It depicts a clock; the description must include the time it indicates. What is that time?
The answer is 9:23:03
